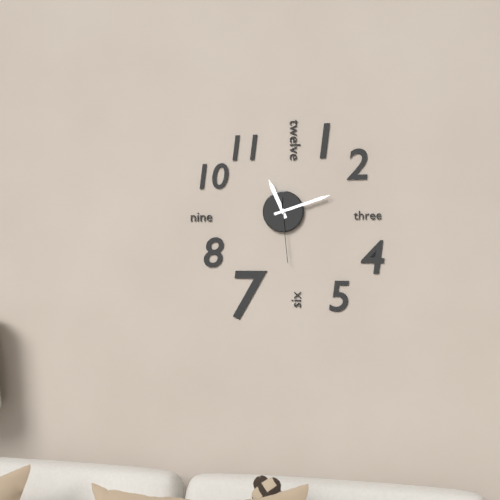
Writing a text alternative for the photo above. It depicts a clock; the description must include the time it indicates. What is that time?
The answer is 11:12:29
